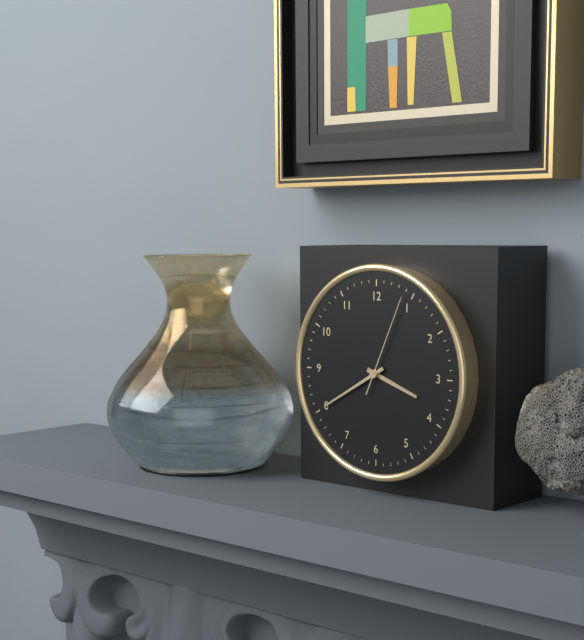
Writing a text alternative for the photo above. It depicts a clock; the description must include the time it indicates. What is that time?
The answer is 3:40:04
